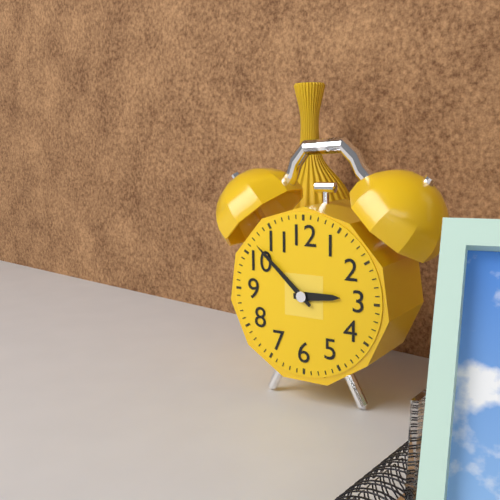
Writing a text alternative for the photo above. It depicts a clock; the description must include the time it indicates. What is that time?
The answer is 2:52
